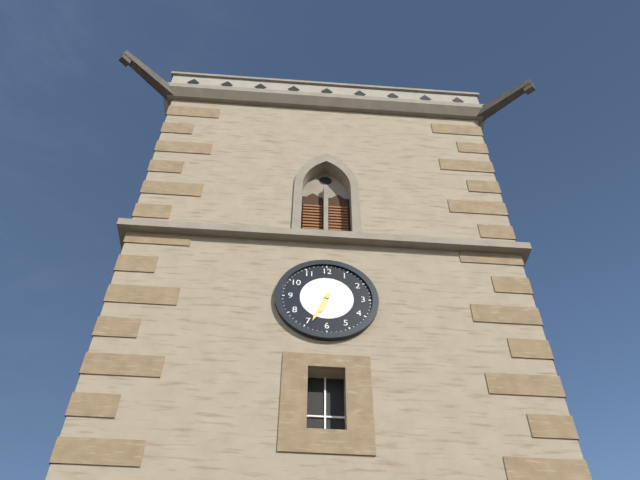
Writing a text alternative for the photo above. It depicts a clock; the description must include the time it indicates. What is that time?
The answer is 6:34
